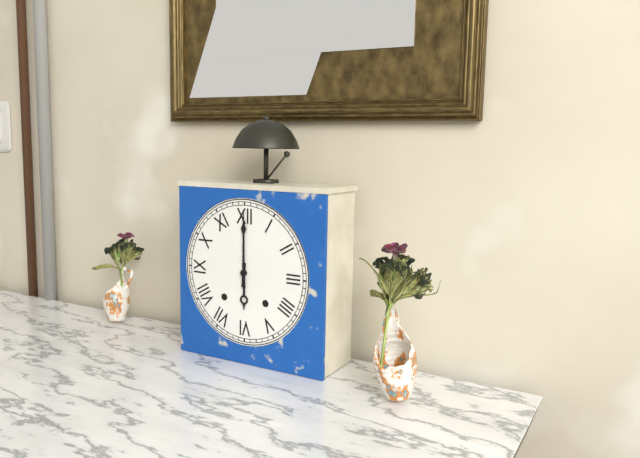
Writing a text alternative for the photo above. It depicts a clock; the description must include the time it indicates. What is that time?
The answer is 6:00
